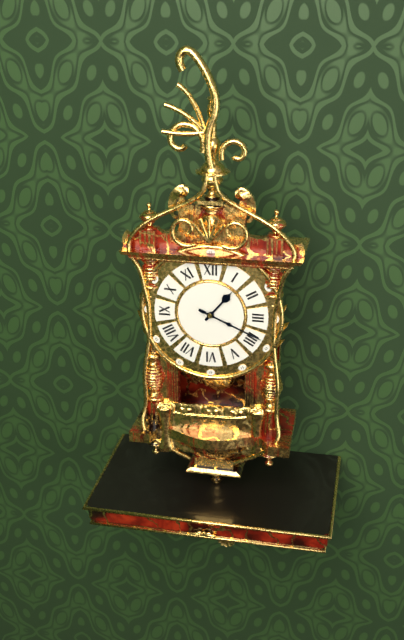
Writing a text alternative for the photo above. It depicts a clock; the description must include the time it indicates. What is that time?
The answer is 1:19
